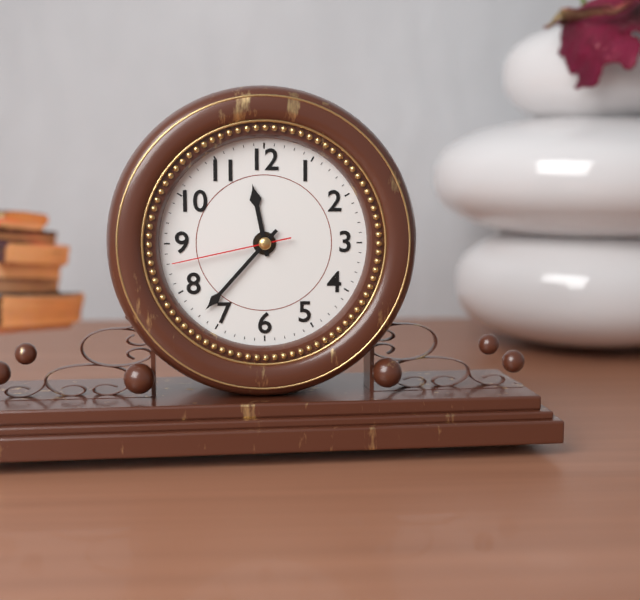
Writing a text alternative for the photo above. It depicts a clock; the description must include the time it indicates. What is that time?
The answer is 11:37:43
